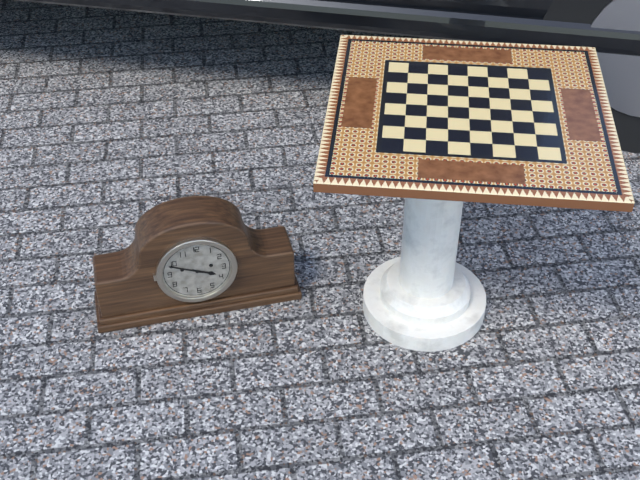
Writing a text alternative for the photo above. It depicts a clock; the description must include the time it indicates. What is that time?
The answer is 3:49
